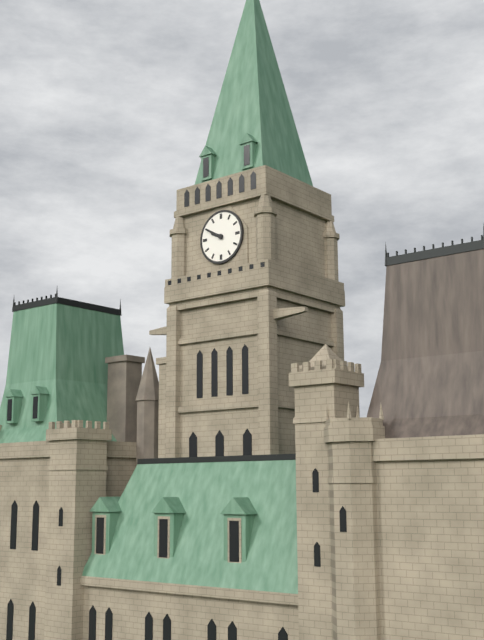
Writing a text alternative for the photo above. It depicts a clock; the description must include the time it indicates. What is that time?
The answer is 9:50
